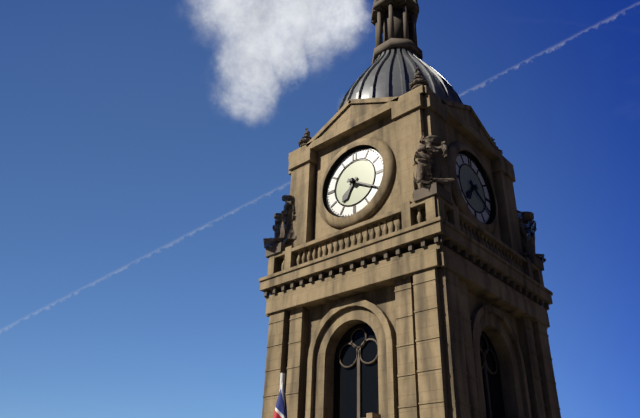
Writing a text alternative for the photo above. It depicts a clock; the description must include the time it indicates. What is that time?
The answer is 7:20
